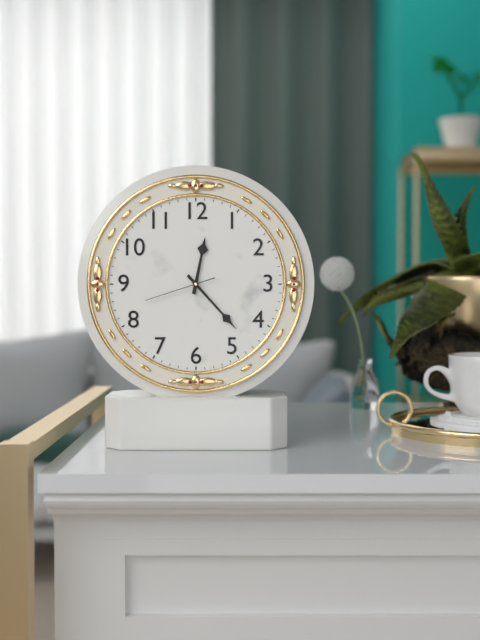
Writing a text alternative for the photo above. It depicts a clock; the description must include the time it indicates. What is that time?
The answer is 12:23:42
